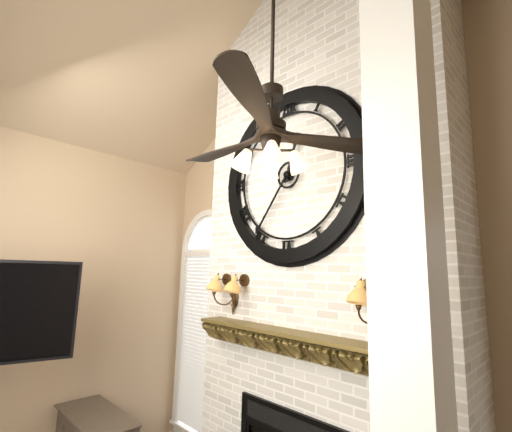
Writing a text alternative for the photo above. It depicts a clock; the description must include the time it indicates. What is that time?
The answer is 12:36
